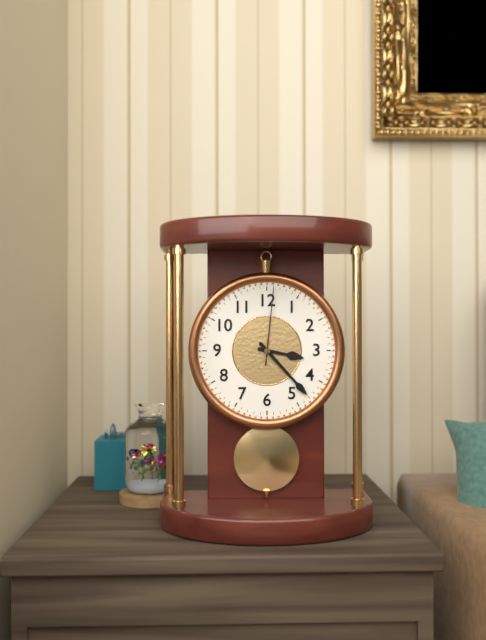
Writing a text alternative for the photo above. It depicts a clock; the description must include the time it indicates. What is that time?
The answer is 3:23:01
